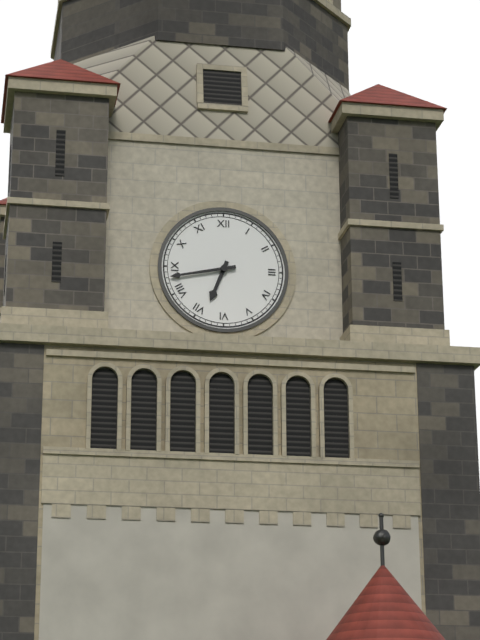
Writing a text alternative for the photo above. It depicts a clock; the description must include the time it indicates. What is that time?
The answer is 6:43
